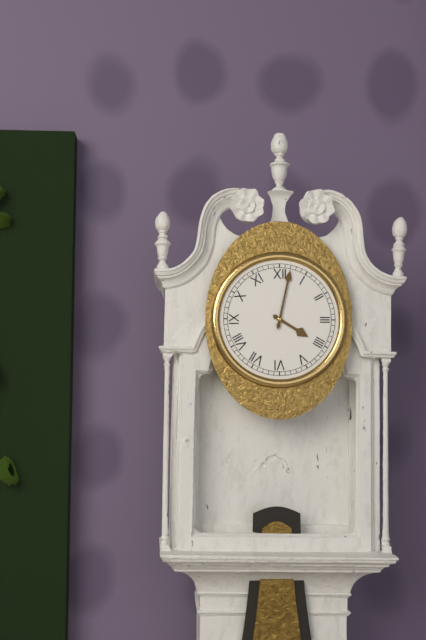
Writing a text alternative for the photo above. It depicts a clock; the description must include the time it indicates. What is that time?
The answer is 4:02
